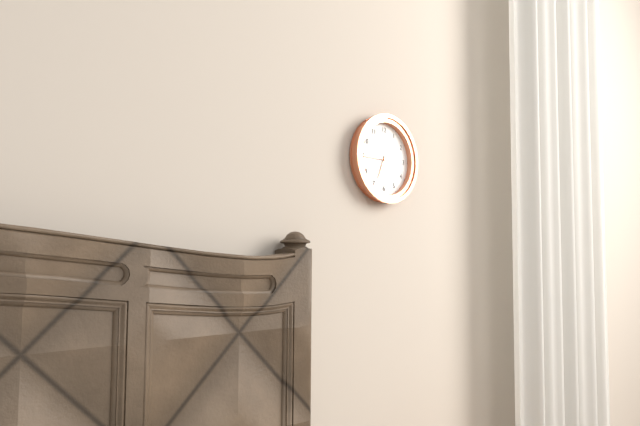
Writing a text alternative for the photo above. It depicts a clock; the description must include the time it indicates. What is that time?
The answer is 6:45
